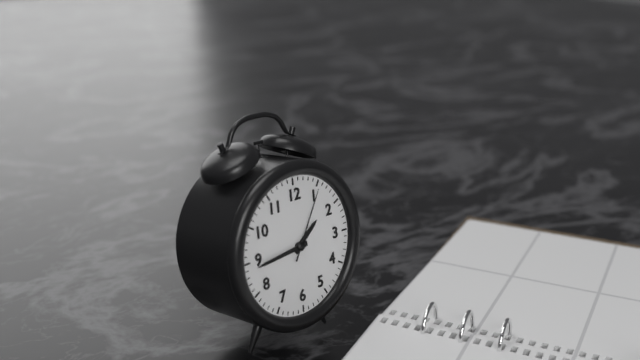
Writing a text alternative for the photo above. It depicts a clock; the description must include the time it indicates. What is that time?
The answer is 1:44:05
